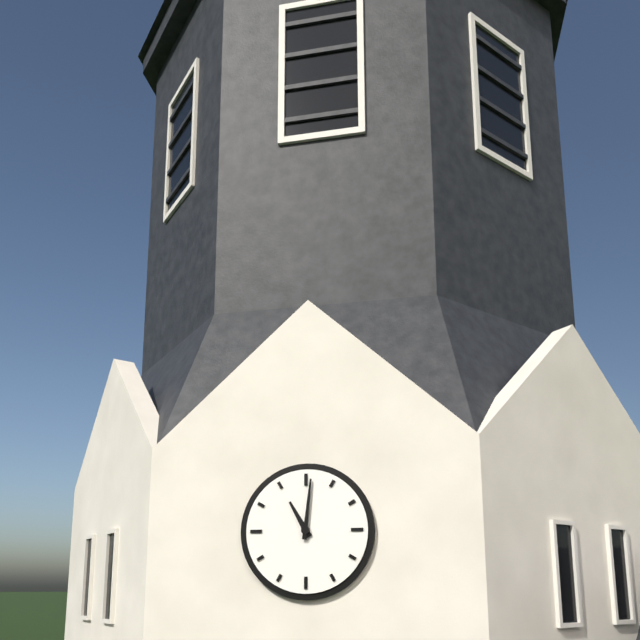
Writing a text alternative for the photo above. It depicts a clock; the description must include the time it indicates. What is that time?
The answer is 11:01
